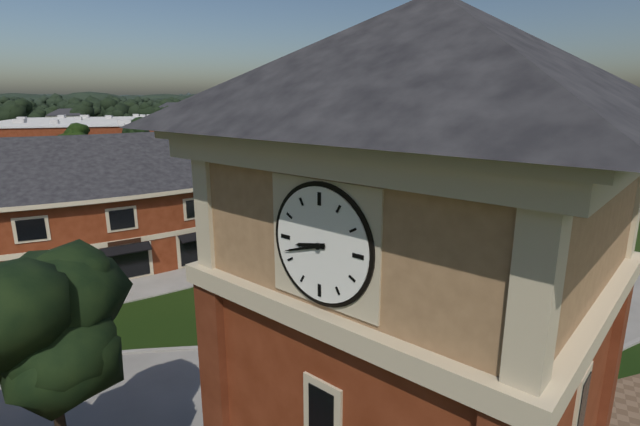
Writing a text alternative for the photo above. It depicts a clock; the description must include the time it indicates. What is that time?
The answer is 8:42
